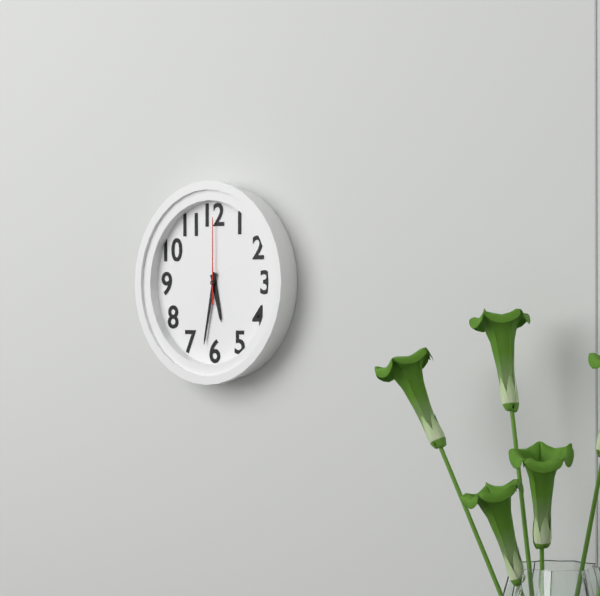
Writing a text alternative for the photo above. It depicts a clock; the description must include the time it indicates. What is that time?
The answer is 5:32:00
